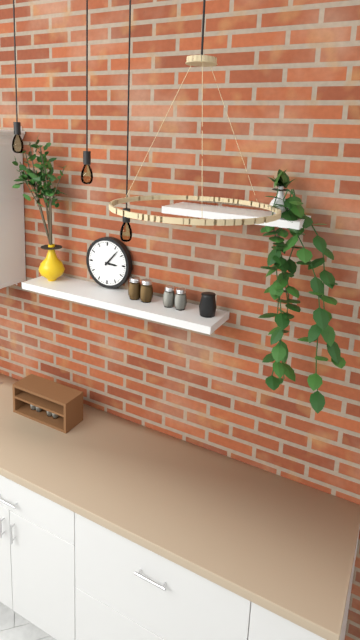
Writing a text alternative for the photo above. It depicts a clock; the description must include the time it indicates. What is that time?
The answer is 3:07
